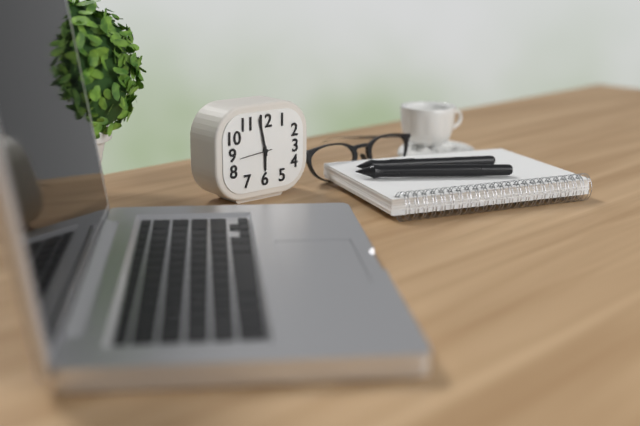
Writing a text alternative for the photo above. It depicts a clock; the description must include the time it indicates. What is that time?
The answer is 5:58
